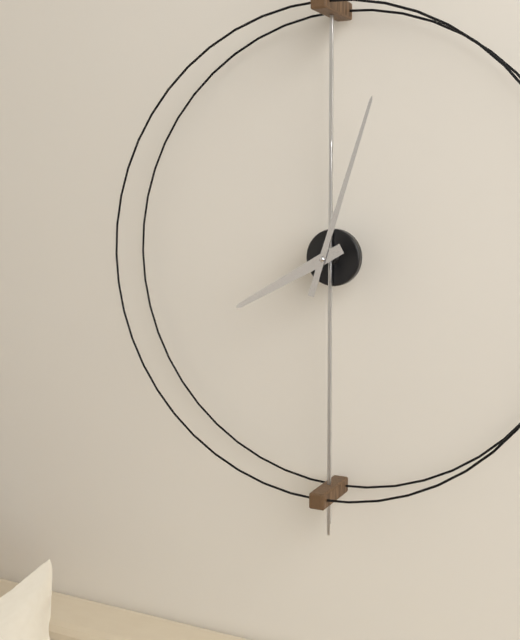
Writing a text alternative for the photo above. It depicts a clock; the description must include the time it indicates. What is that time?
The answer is 8:03
